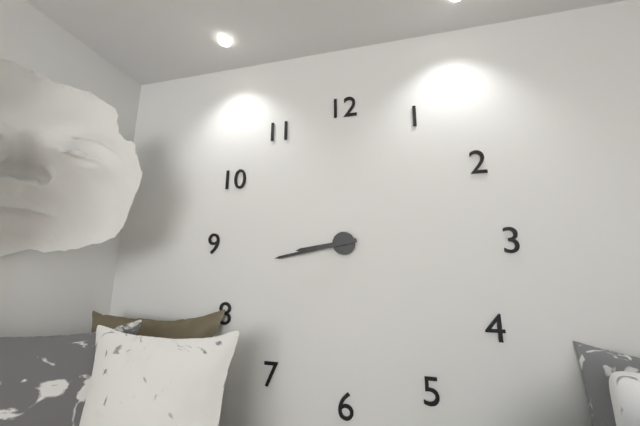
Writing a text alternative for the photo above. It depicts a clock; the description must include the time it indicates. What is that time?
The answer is 8:43
